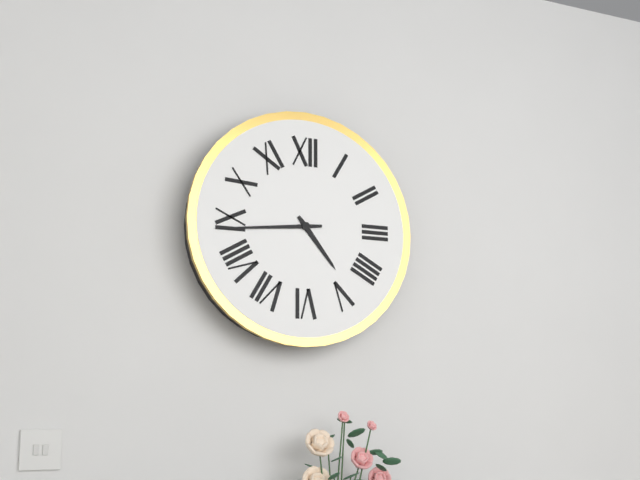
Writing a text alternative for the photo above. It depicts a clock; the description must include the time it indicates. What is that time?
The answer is 4:44
